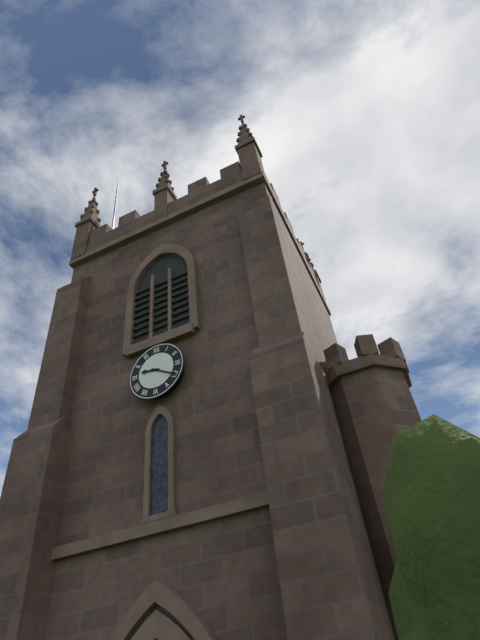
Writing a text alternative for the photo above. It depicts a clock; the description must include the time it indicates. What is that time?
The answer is 9:20
